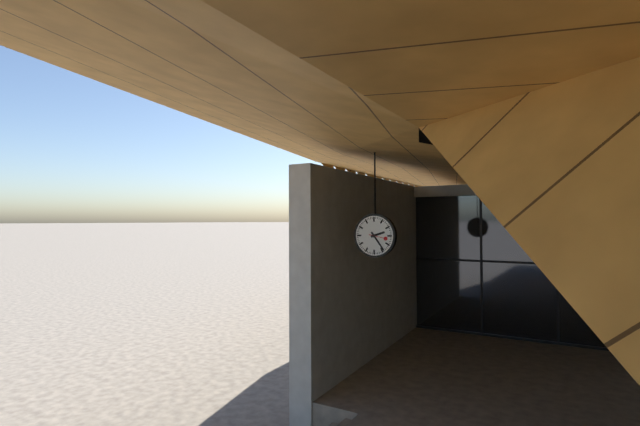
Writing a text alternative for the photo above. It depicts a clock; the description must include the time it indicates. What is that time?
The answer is 2:24
